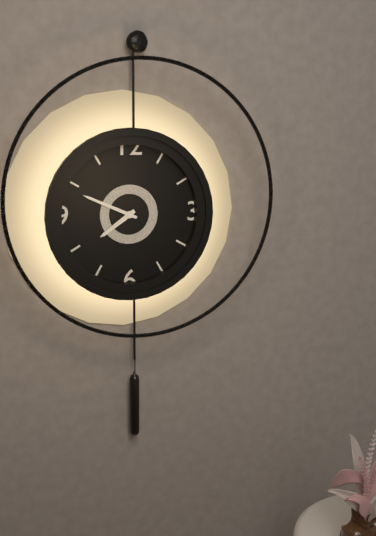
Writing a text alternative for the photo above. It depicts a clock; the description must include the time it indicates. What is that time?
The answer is 7:49
